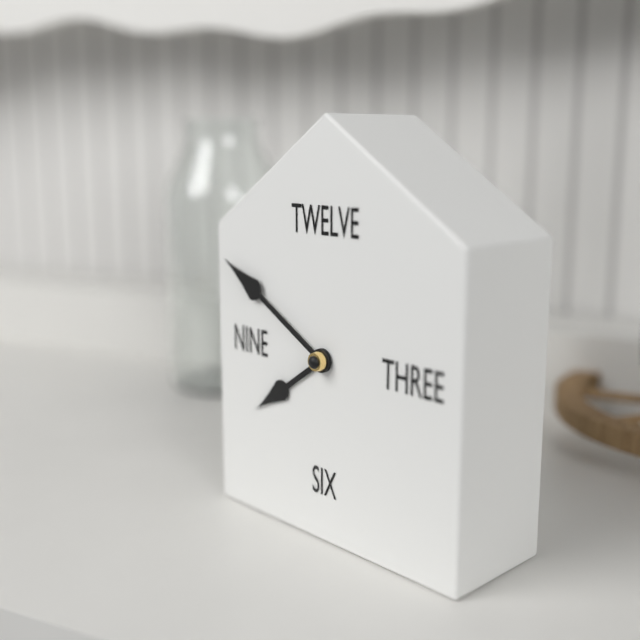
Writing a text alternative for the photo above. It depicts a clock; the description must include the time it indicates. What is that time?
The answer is 7:50
